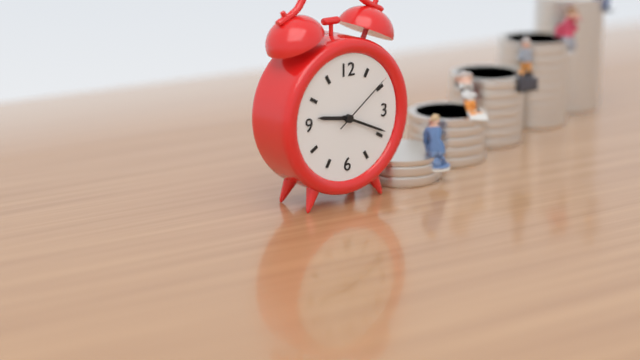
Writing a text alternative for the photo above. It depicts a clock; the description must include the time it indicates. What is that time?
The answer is 9:19:09
